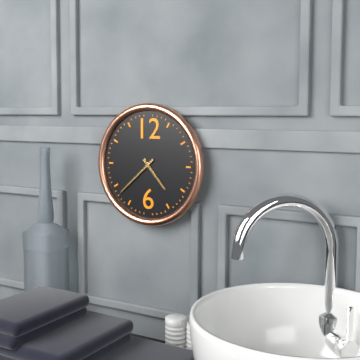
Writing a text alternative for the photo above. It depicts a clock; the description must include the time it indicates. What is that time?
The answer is 4:38
